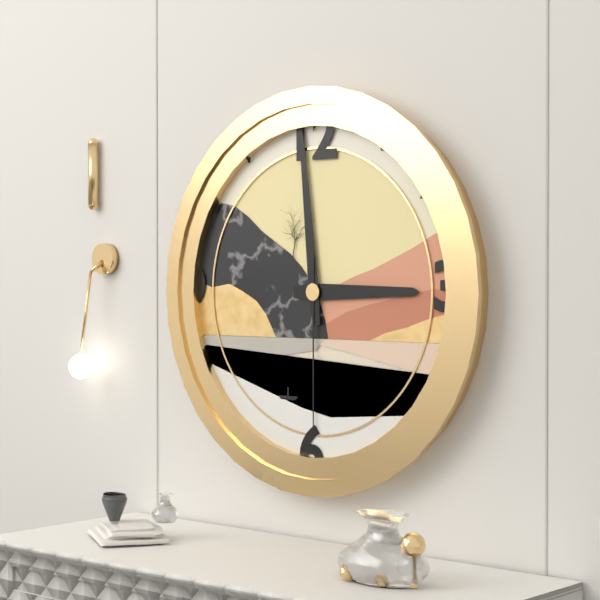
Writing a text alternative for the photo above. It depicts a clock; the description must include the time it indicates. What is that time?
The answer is 2:59:30
